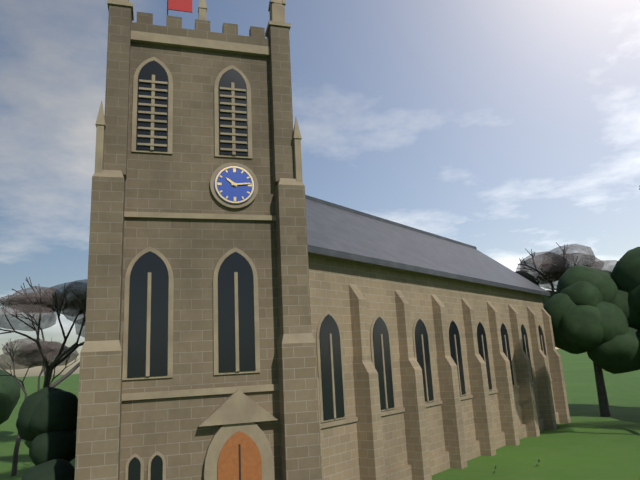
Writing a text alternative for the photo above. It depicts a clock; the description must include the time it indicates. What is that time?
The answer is 10:14
